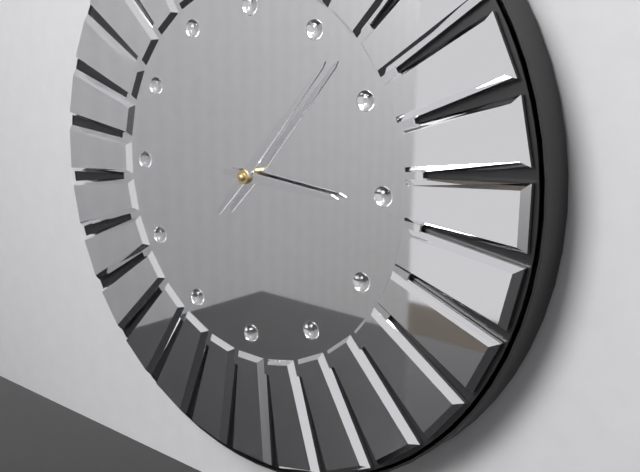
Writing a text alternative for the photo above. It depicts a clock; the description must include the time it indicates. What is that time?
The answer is 3:07
